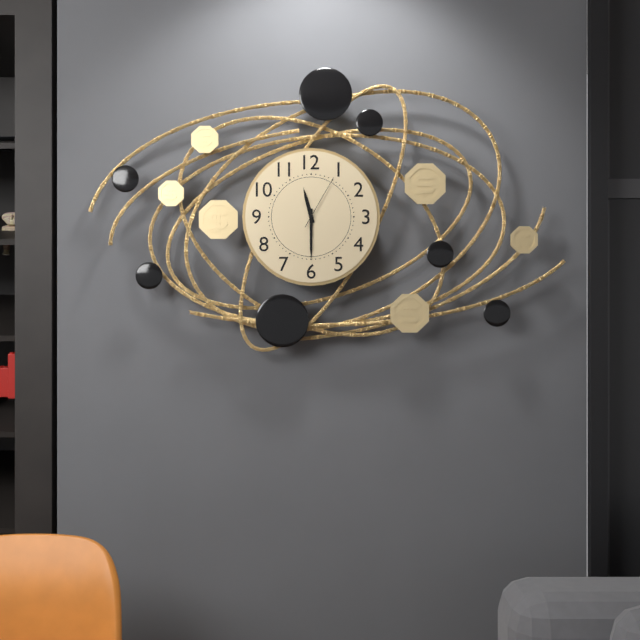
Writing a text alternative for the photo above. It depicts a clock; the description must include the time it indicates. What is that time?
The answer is 11:30:05
